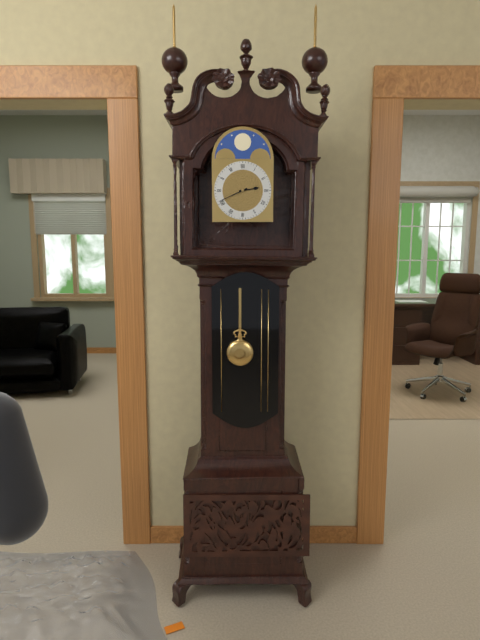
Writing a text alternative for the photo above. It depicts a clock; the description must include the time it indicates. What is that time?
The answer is 2:41
